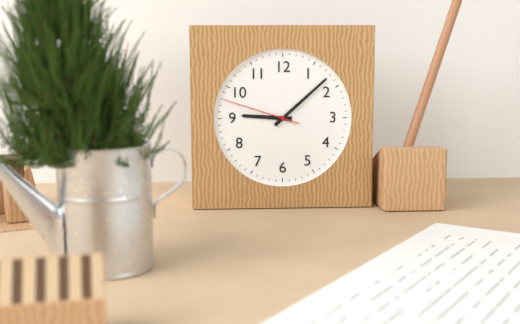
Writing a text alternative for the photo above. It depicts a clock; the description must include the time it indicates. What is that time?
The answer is 9:08:48
